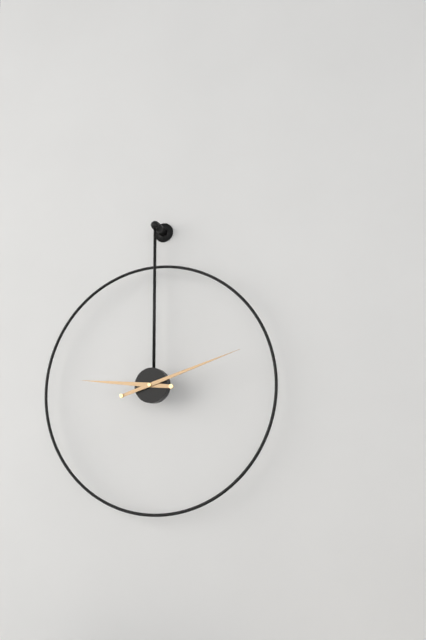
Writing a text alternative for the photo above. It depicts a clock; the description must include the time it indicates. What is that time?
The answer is 9:12
